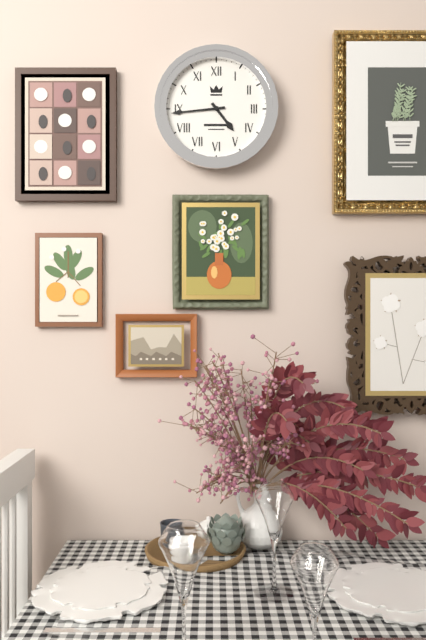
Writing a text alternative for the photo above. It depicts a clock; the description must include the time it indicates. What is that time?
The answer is 4:44
